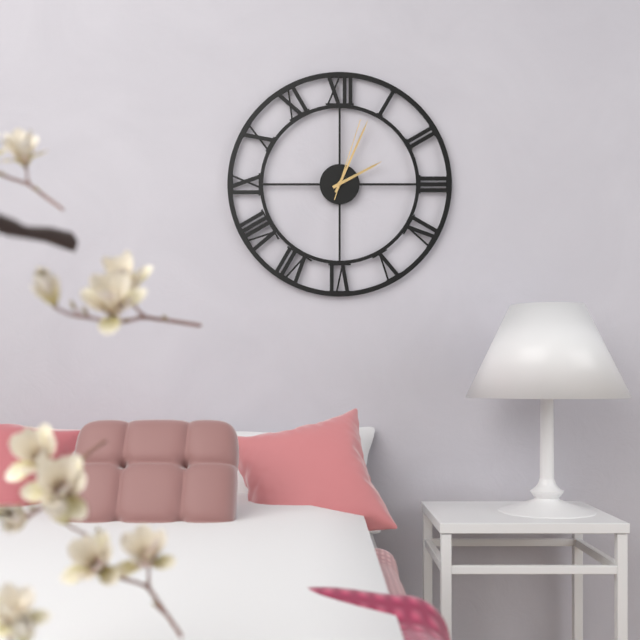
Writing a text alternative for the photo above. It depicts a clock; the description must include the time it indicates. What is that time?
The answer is 2:04:03
